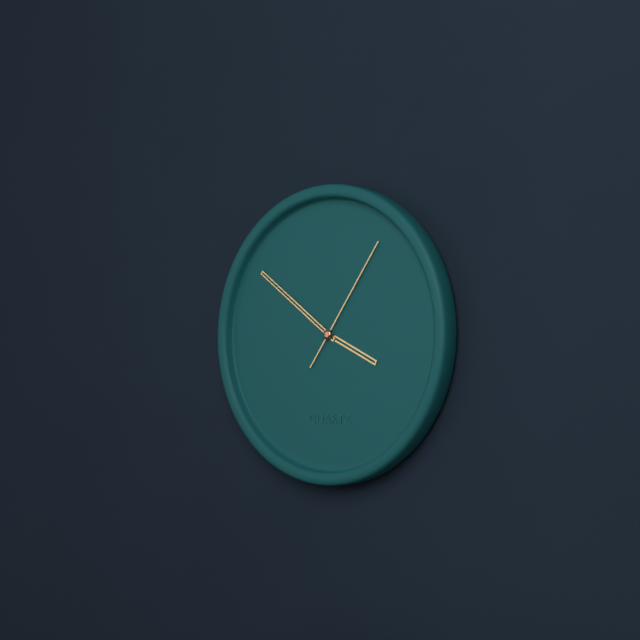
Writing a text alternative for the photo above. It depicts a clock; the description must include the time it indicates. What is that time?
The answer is 3:51:06
